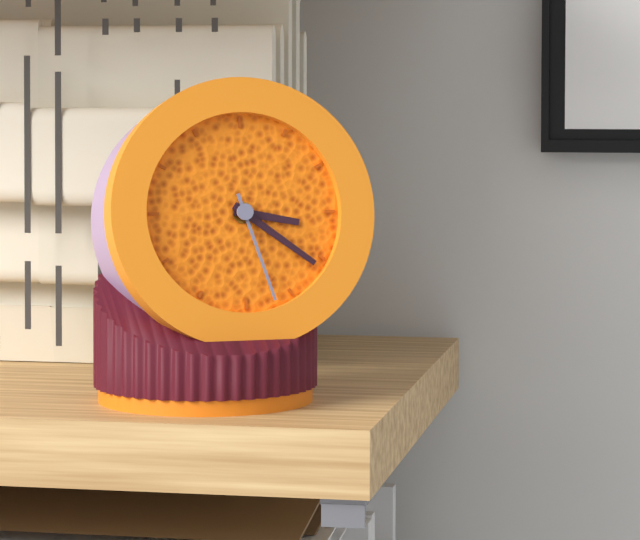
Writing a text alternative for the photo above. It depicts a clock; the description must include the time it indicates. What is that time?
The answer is 3:21:27
